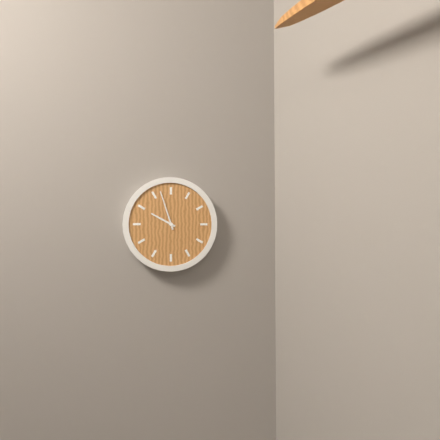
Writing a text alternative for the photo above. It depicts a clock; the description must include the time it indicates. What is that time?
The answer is 9:57
